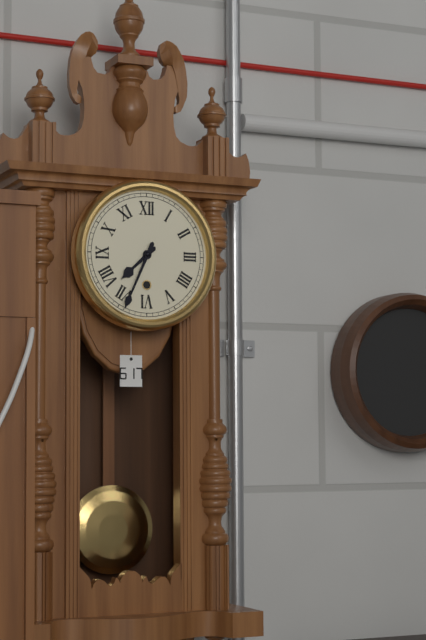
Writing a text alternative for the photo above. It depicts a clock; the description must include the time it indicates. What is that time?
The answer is 7:34
